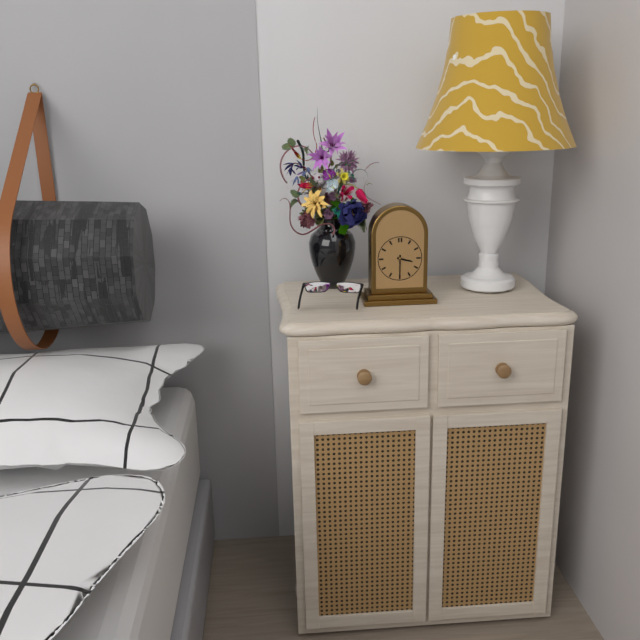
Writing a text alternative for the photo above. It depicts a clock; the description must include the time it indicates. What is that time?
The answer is 3:30
